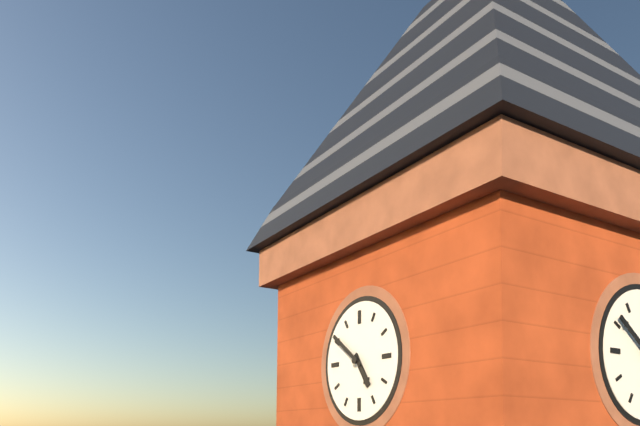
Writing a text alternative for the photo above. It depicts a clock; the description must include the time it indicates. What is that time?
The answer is 4:51
